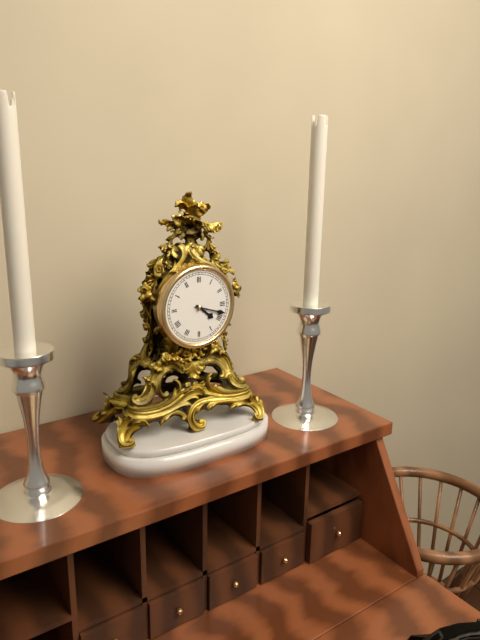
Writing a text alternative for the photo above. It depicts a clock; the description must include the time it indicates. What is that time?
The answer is 4:18
